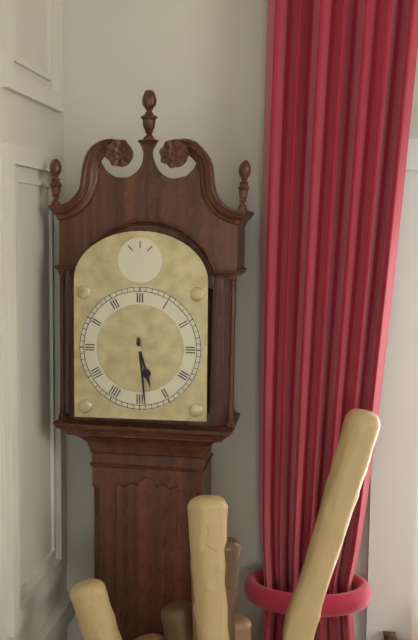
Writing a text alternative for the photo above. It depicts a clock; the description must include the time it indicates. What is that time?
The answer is 5:29
